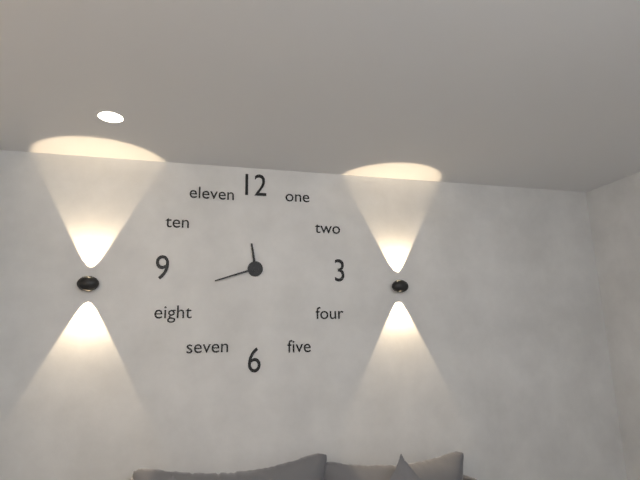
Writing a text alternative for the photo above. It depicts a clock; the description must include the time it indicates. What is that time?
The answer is 11:42
